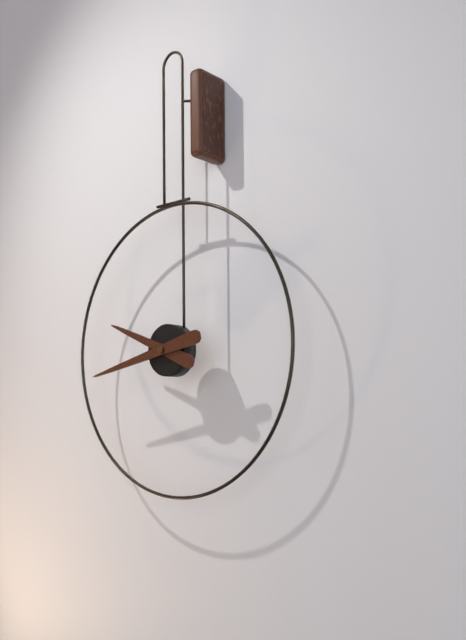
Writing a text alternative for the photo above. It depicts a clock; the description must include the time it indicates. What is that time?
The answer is 9:43
